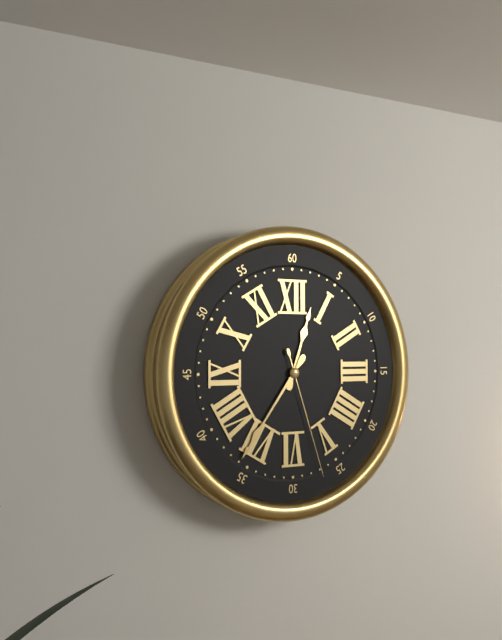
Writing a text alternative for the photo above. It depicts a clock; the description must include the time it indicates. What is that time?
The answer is 12:36:27
